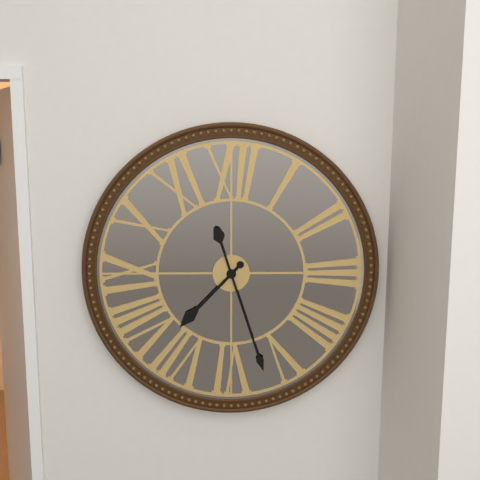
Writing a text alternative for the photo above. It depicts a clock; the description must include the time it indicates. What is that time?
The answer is 7:27
